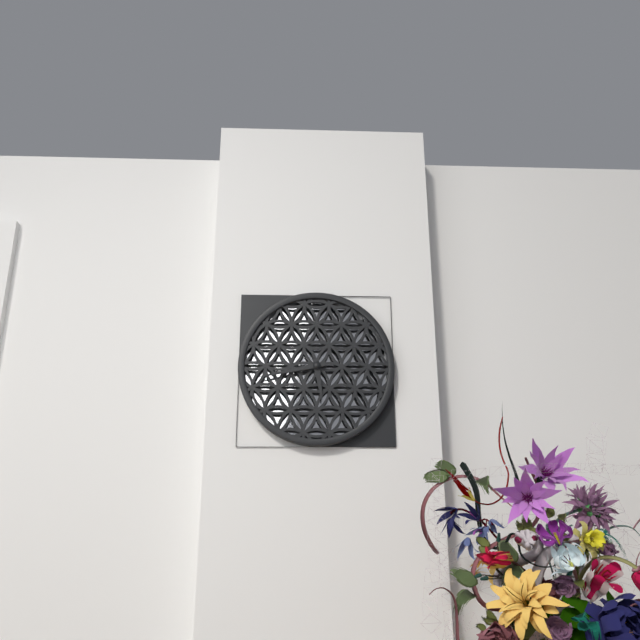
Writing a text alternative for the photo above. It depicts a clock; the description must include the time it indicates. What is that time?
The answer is 5:43
